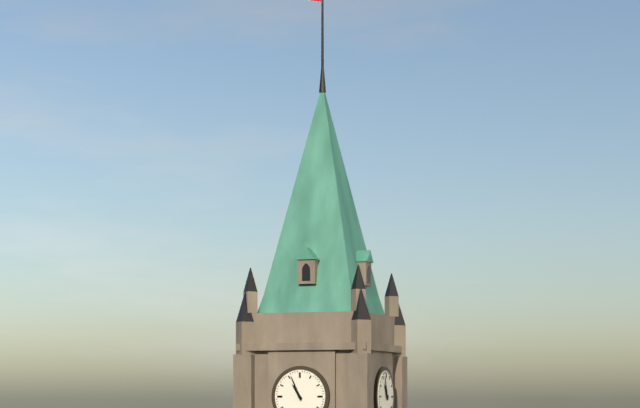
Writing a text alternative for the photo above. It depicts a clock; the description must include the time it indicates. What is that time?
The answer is 10:56
